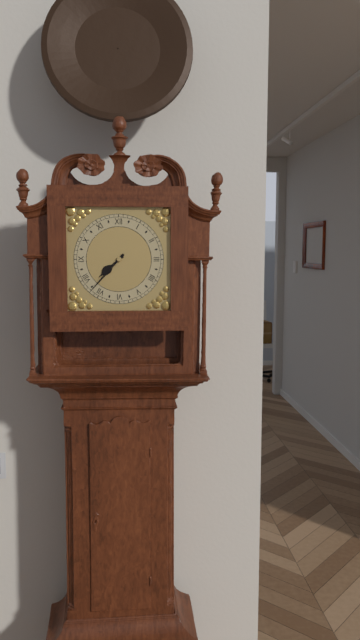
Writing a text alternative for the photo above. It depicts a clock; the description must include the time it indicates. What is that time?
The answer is 7:37
